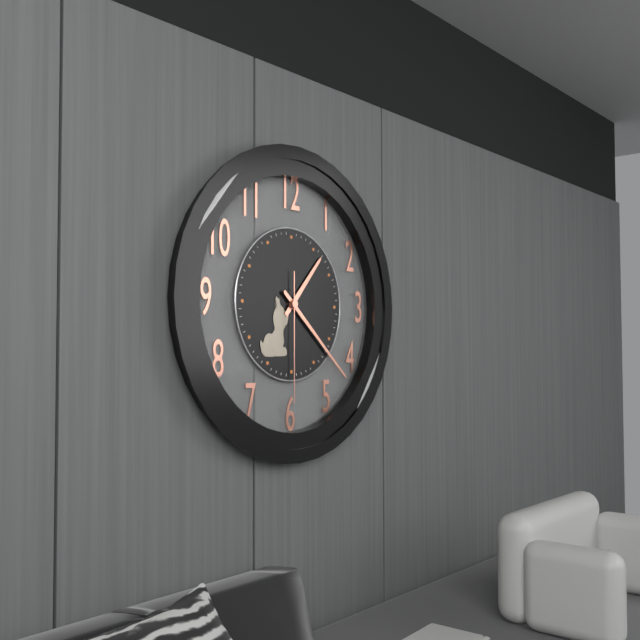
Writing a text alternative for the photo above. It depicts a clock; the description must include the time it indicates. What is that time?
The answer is 1:22:30
